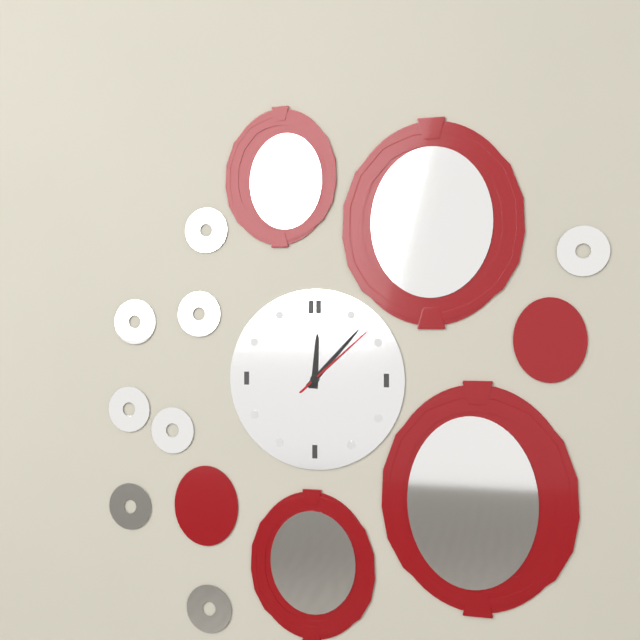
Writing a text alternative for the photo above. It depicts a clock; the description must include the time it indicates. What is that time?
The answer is 12:07:08
